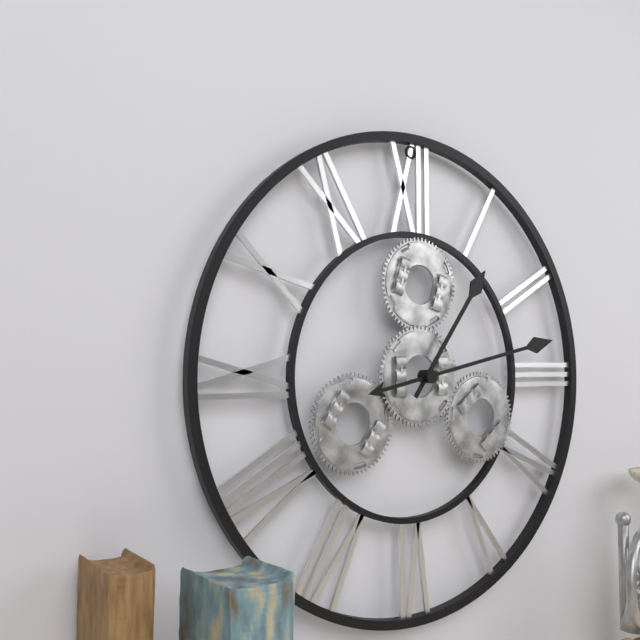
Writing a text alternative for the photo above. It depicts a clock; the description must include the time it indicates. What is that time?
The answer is 1:13
